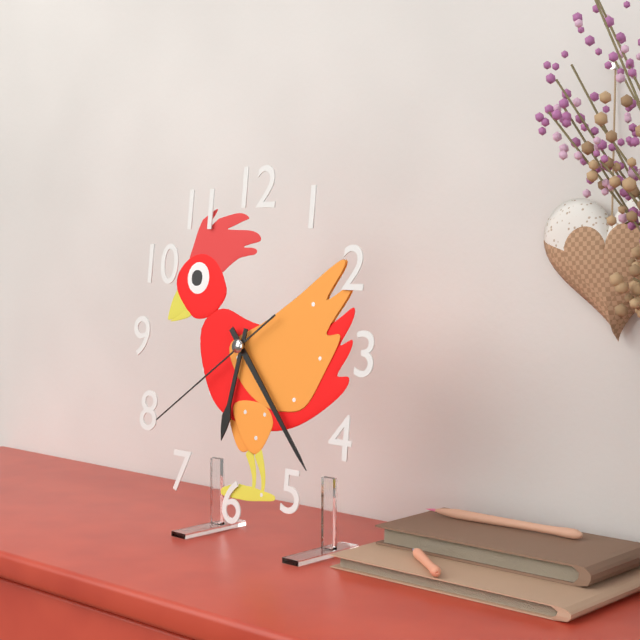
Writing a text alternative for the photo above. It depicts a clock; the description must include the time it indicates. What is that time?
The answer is 6:23:39
